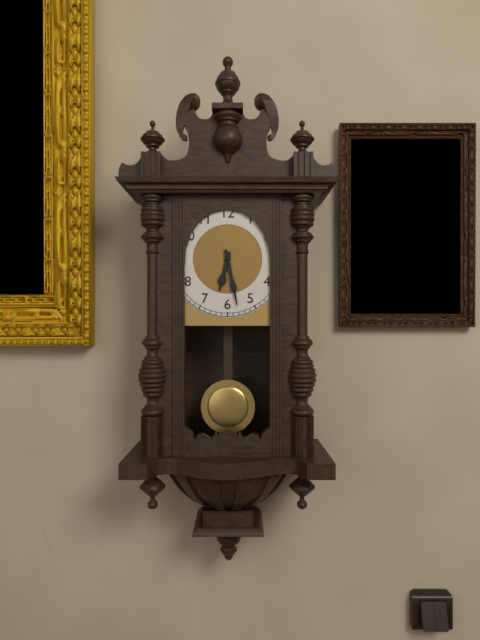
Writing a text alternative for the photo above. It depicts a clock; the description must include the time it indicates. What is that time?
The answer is 6:28
